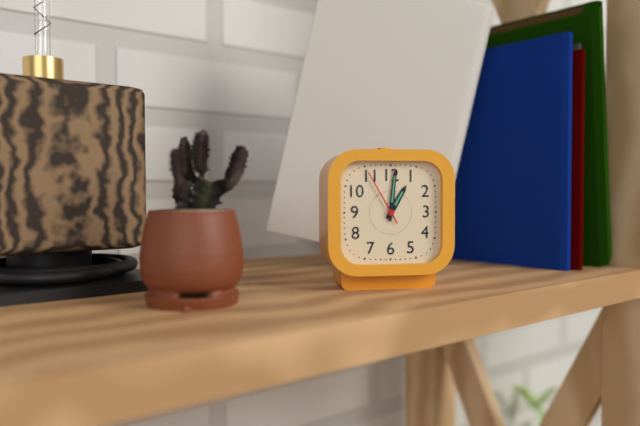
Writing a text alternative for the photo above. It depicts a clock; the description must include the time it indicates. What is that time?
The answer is 1:01:55
